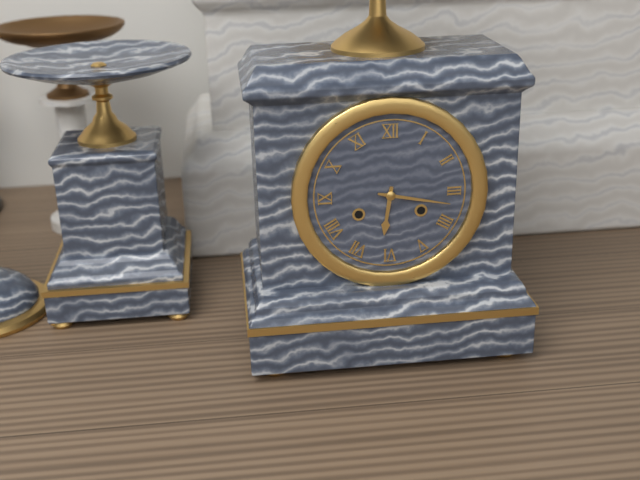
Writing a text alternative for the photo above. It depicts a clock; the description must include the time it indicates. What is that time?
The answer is 6:17
